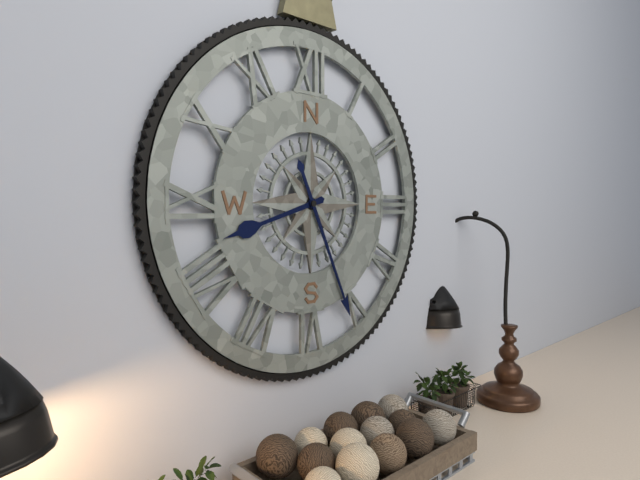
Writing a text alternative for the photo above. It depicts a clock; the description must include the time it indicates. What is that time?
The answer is 8:26
